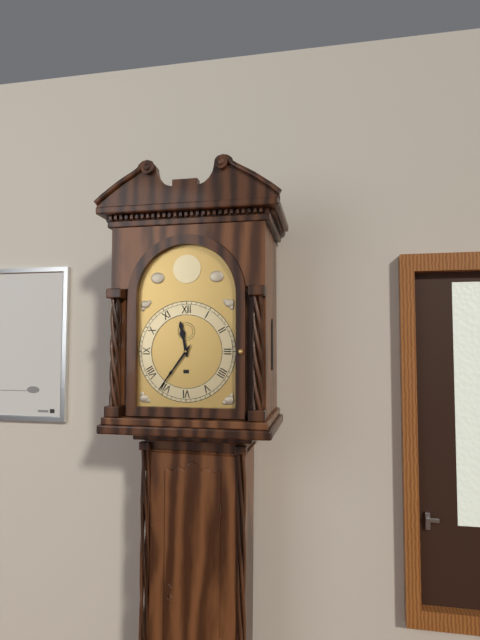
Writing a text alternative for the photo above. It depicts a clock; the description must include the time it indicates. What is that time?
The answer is 11:36
